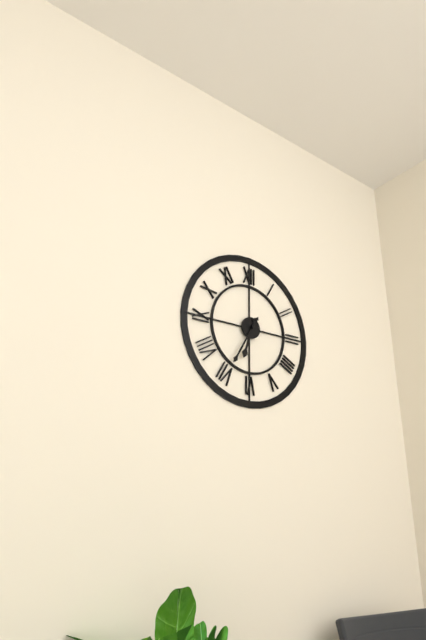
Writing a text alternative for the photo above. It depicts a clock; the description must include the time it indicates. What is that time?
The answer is 6:35
